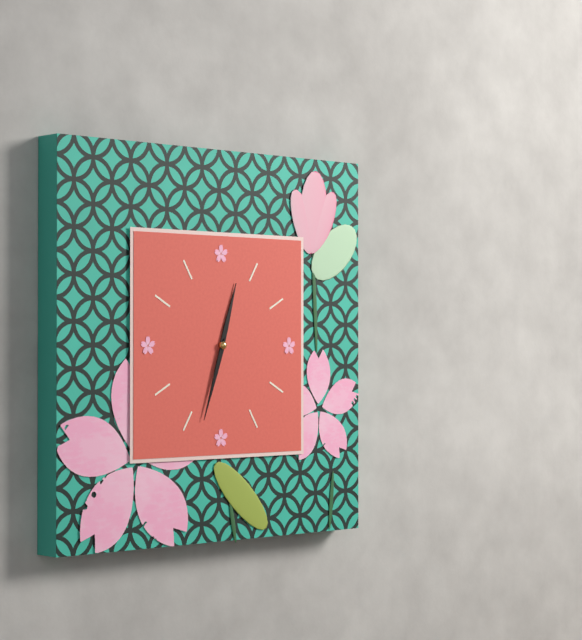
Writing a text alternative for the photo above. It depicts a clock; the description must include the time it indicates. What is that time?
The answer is 12:33
